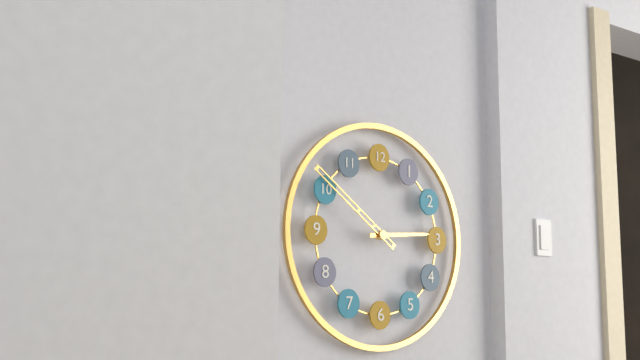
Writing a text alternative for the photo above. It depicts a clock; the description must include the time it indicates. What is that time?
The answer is 2:51
